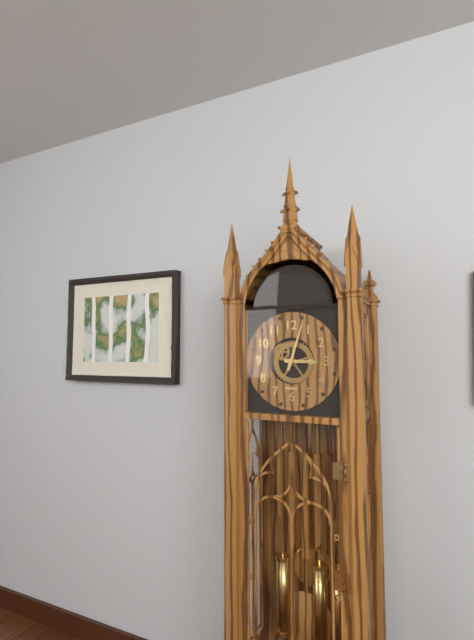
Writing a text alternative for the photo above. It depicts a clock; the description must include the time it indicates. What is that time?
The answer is 3:03
